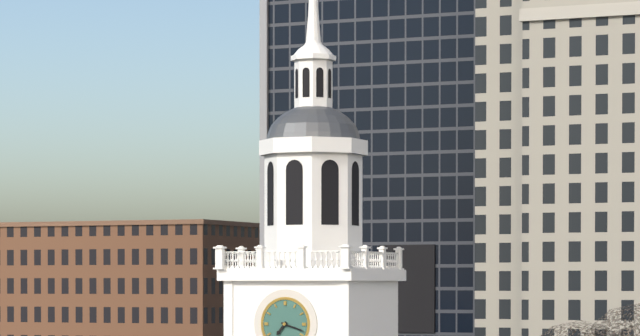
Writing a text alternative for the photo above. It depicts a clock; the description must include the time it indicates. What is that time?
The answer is 7:18
